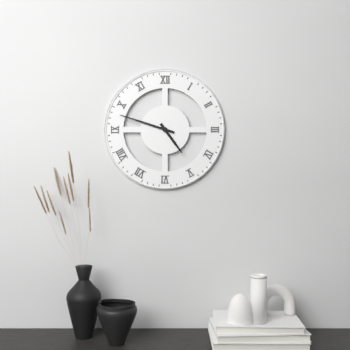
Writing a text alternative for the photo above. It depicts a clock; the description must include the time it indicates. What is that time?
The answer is 4:48
